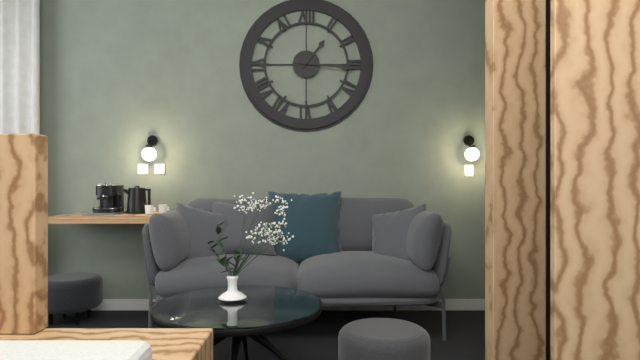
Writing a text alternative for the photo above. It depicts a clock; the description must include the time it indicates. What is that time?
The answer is 1:16
